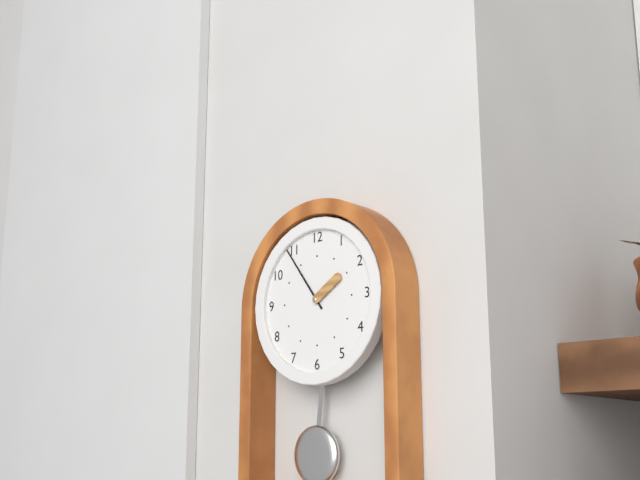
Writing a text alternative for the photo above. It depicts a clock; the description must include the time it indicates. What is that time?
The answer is 1:54
